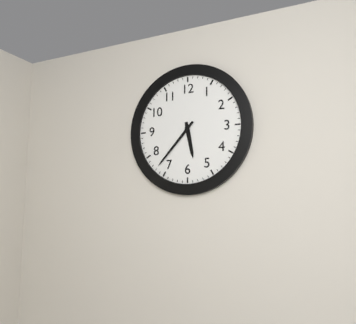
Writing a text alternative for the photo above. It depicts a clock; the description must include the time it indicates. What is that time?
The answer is 5:37
